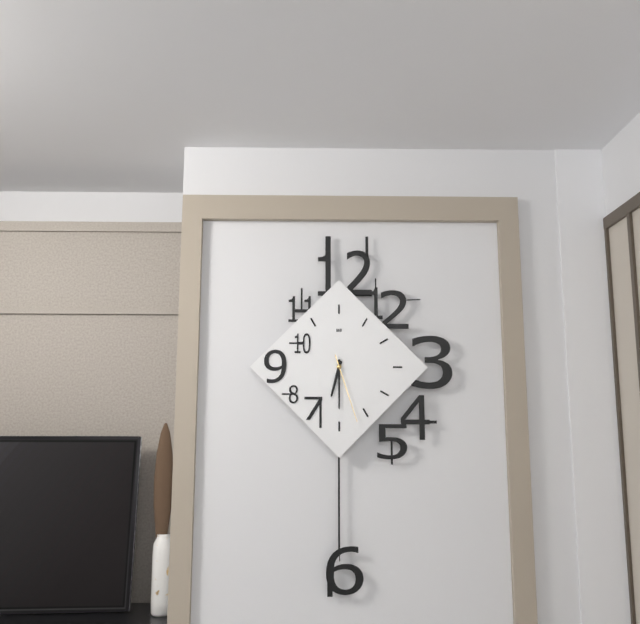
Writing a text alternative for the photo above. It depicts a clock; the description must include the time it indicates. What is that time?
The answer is 6:30:27
